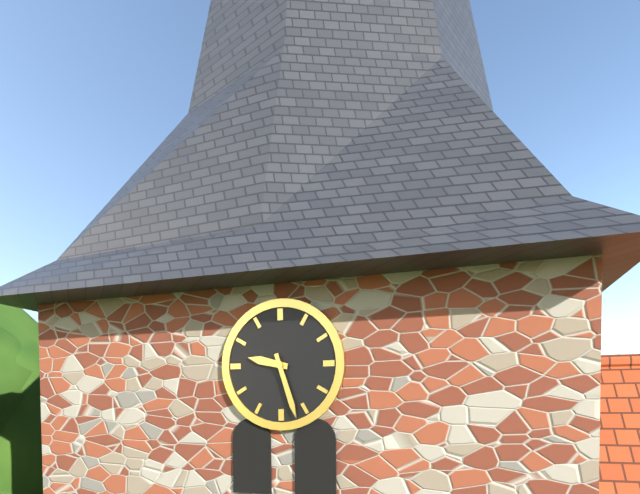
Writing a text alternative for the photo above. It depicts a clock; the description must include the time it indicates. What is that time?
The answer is 9:27
